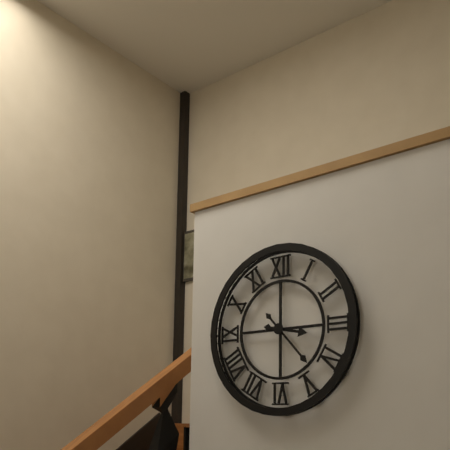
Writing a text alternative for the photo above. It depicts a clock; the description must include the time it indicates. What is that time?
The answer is 3:23
